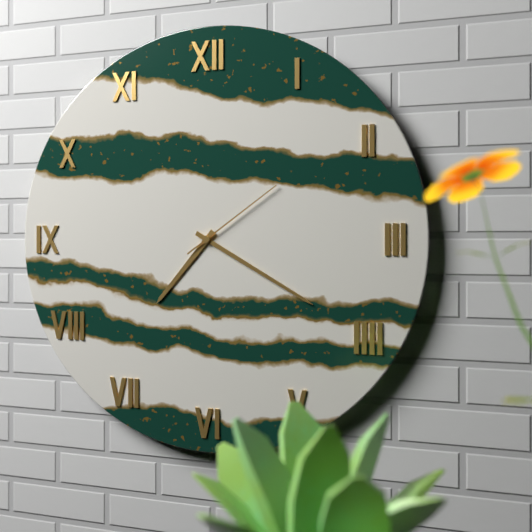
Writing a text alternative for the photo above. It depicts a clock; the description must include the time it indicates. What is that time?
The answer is 7:20:09
